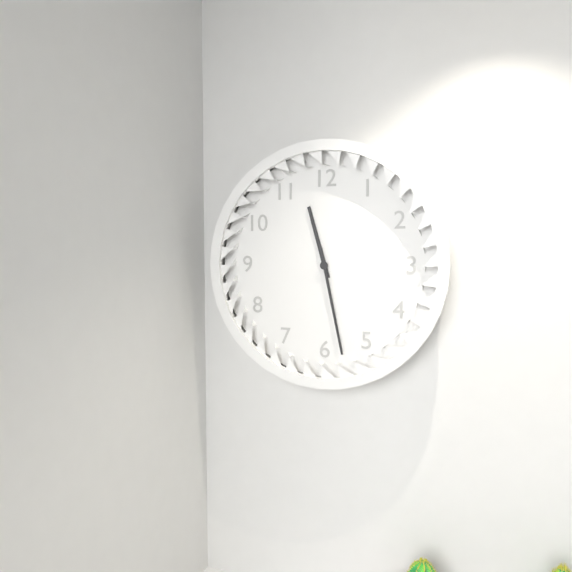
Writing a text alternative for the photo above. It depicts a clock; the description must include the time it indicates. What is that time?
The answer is 11:28
